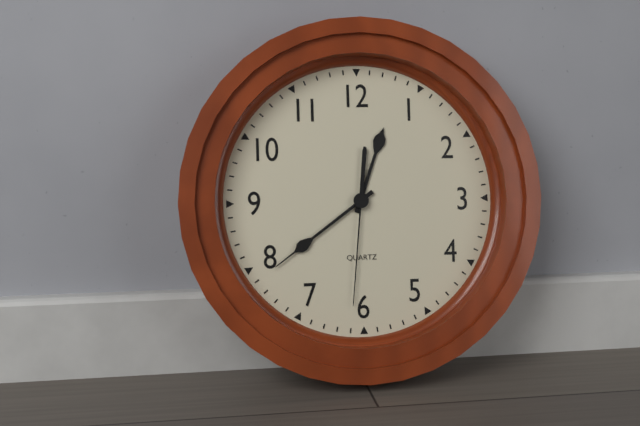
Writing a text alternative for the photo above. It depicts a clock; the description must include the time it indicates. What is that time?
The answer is 12:39:31
